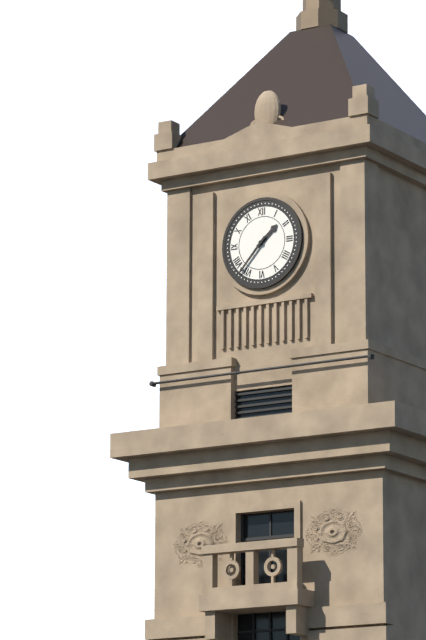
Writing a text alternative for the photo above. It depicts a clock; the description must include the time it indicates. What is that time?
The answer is 1:37
